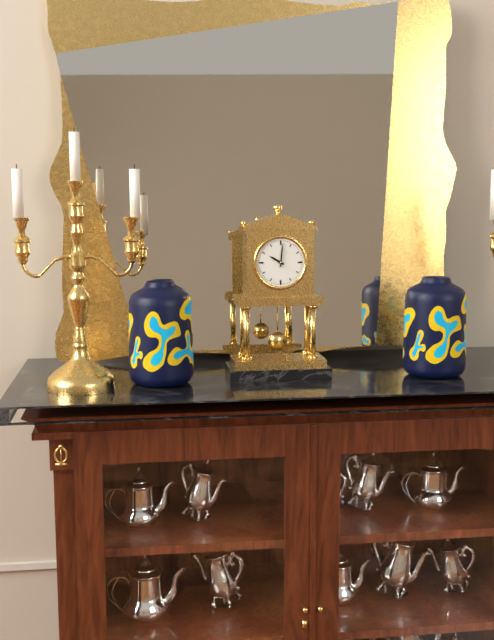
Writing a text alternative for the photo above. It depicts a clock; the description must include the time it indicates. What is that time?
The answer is 10:01
